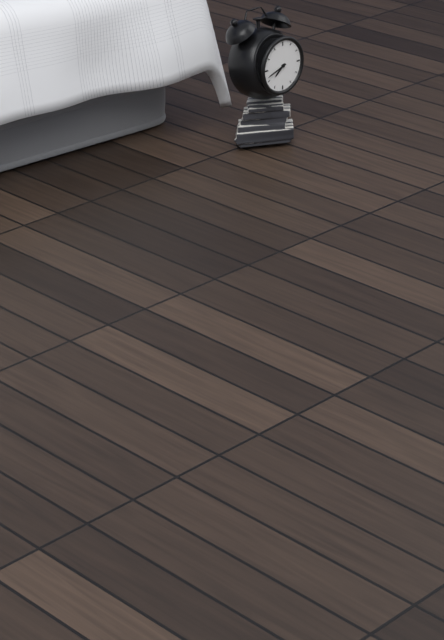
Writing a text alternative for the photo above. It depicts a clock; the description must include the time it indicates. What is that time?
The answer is 7:42
